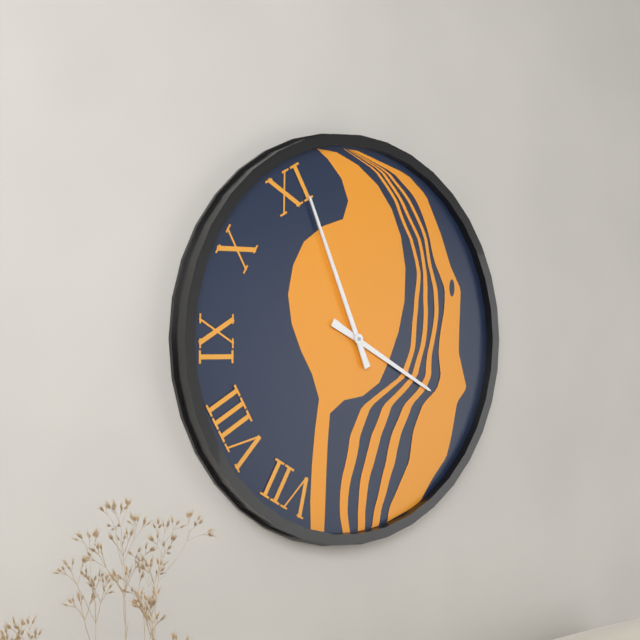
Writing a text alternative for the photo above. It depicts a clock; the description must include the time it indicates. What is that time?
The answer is 3:56
